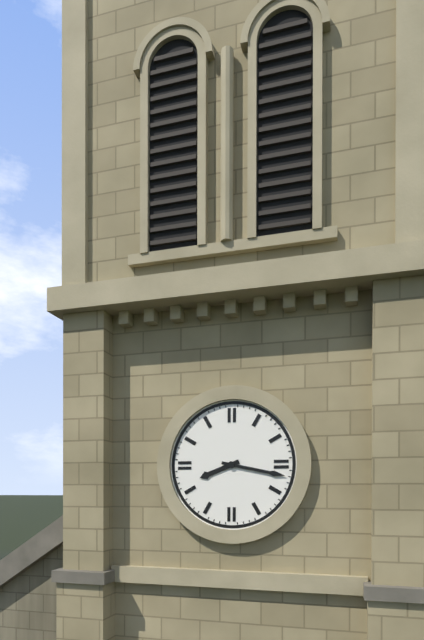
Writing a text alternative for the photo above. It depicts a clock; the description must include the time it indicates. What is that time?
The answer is 8:17
